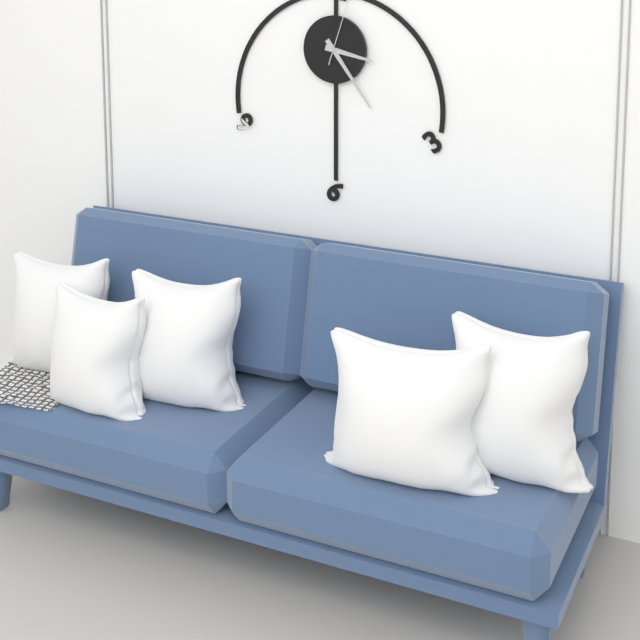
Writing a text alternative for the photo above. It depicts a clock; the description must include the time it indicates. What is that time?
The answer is 3:24
